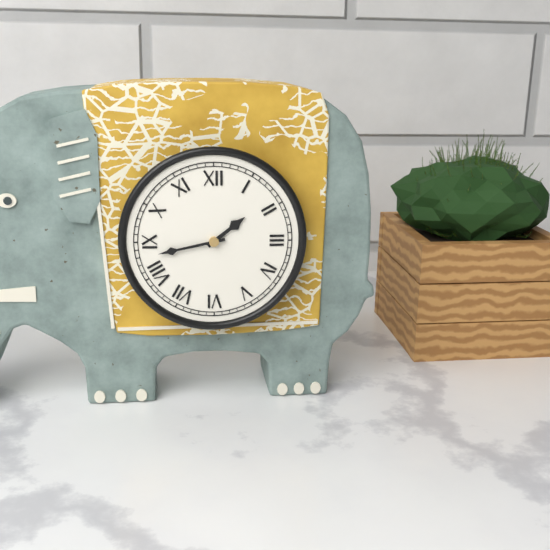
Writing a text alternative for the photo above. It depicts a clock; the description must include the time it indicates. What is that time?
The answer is 1:43
